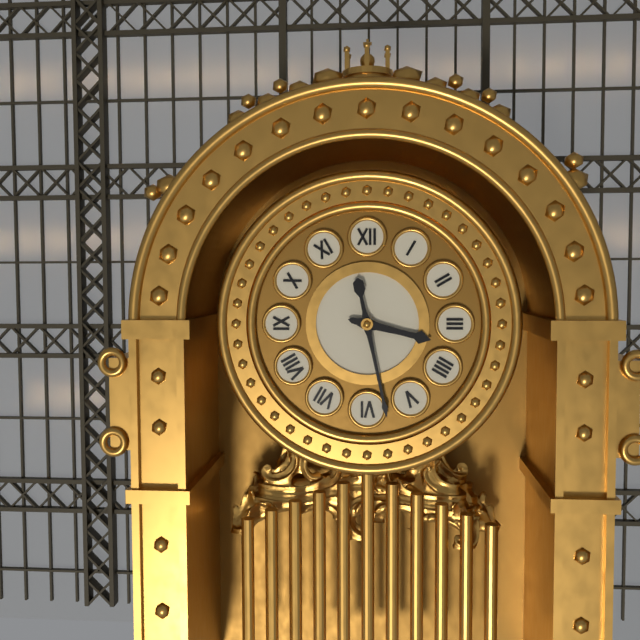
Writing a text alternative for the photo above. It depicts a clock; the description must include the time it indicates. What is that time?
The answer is 3:28
